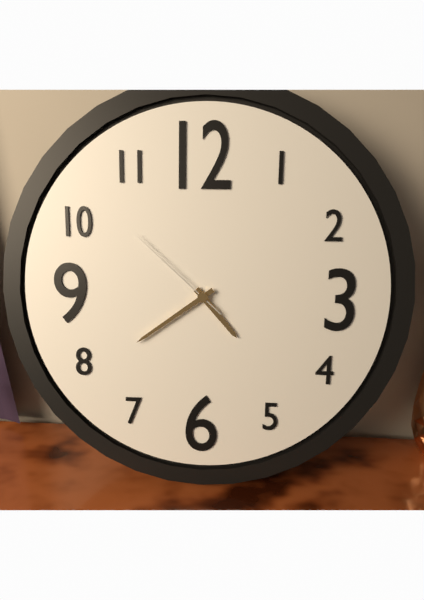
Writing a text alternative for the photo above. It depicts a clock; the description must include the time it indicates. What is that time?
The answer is 4:39:52
